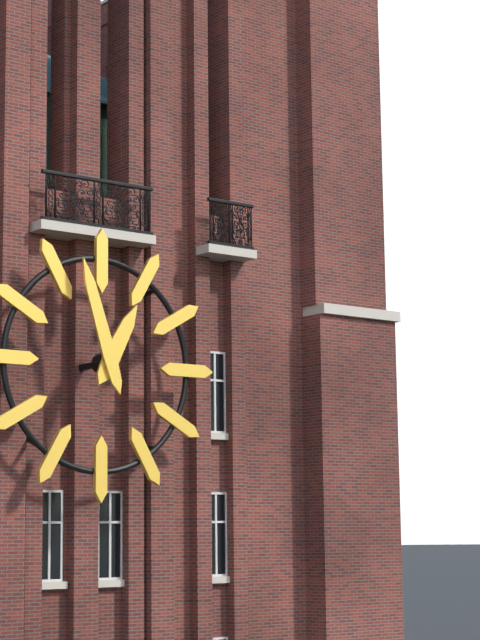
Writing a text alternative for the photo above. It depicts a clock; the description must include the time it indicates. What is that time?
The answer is 12:57
